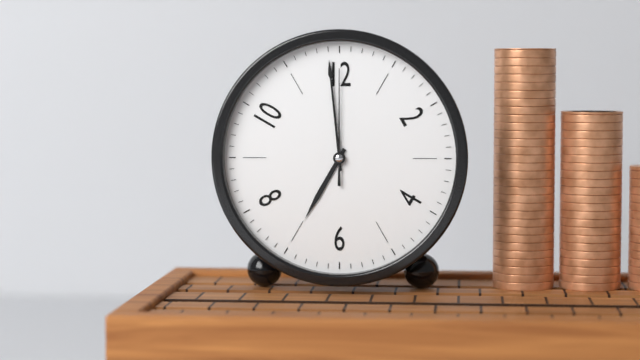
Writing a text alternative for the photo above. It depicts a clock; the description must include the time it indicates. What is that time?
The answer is 6:59:00
